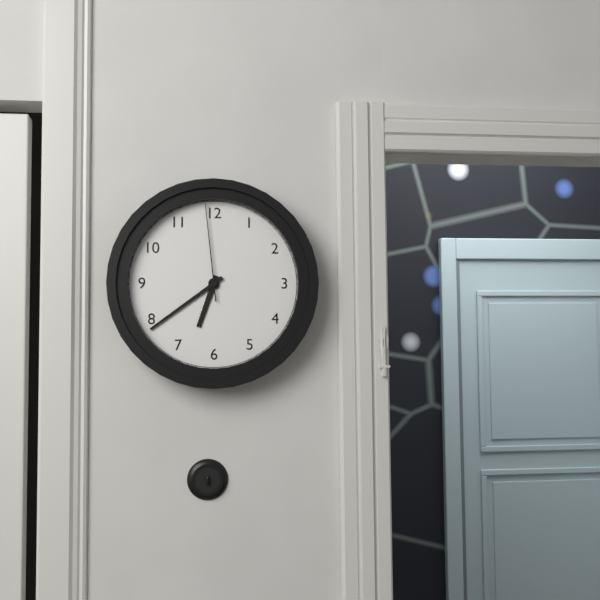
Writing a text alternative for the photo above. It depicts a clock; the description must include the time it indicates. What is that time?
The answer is 6:39:59
